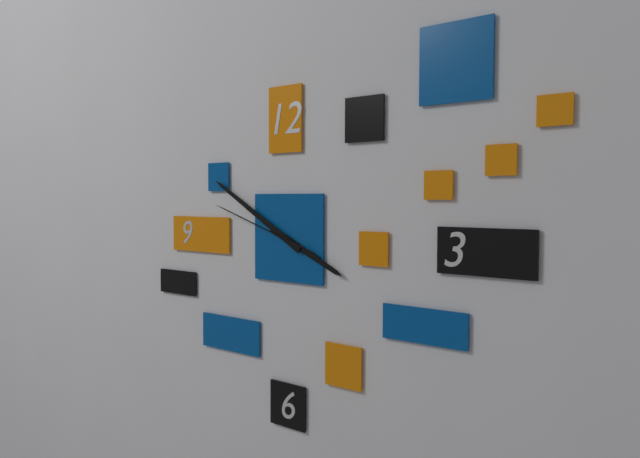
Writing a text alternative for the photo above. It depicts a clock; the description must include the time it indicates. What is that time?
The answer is 3:50:48
